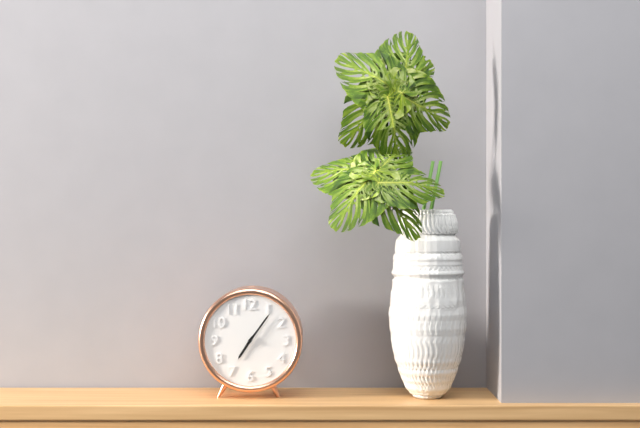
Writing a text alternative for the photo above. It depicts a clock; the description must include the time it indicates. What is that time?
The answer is 7:06
